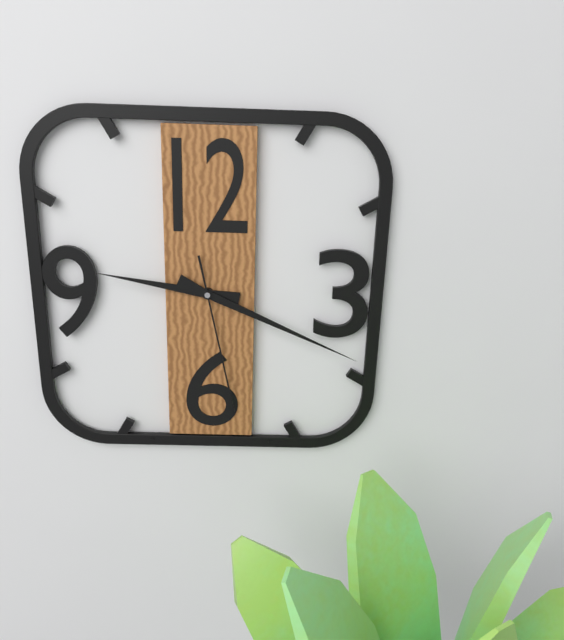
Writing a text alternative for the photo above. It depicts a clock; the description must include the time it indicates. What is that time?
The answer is 9:19:28
